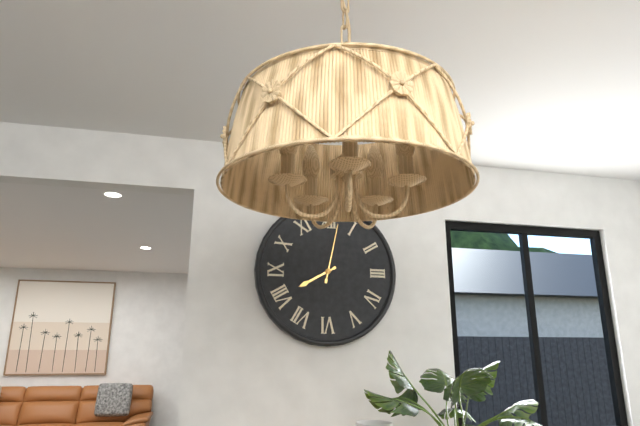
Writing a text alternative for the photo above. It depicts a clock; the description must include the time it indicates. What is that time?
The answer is 8:02
